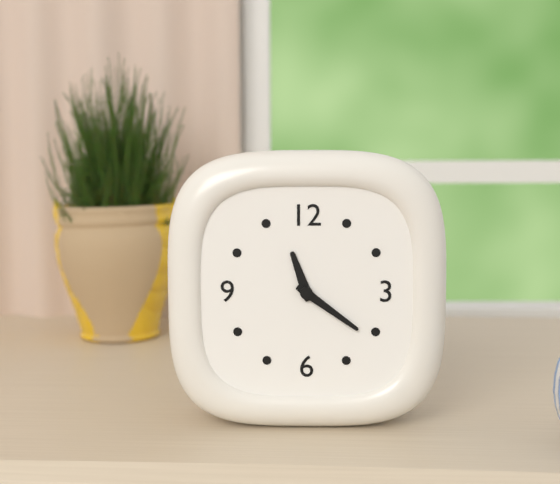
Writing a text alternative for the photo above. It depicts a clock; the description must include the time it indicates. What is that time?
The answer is 11:21
